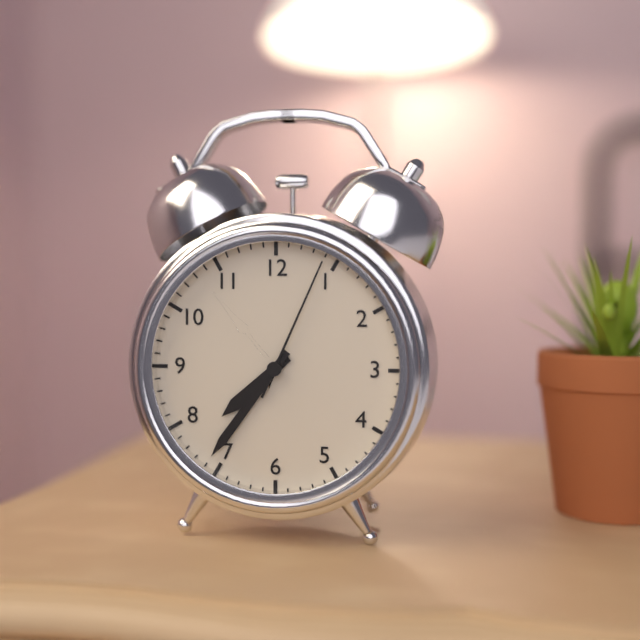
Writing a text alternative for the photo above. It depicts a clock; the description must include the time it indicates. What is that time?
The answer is 7:36:04
